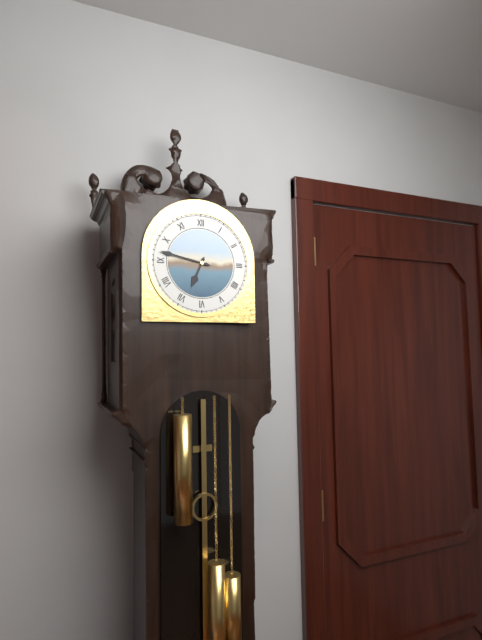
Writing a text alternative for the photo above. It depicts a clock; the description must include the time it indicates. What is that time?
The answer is 6:47
